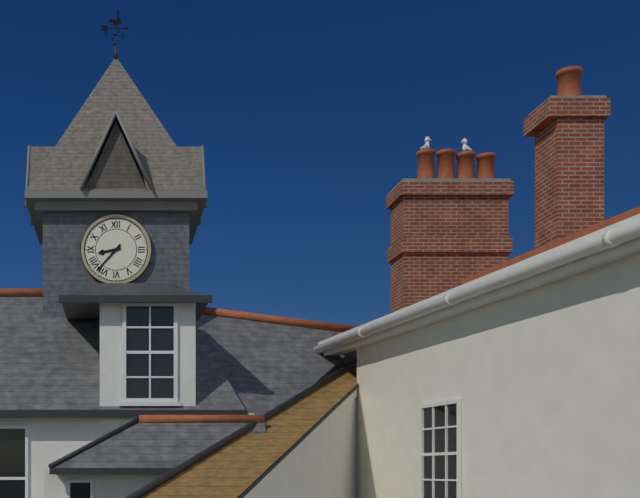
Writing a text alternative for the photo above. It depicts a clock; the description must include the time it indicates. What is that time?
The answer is 8:37
